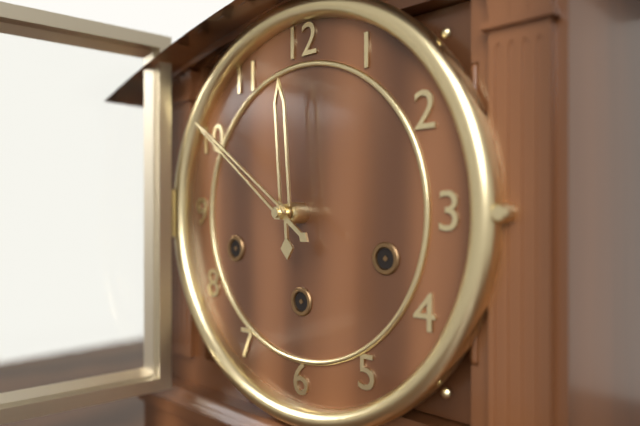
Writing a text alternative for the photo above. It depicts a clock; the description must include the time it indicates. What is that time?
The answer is 11:51
